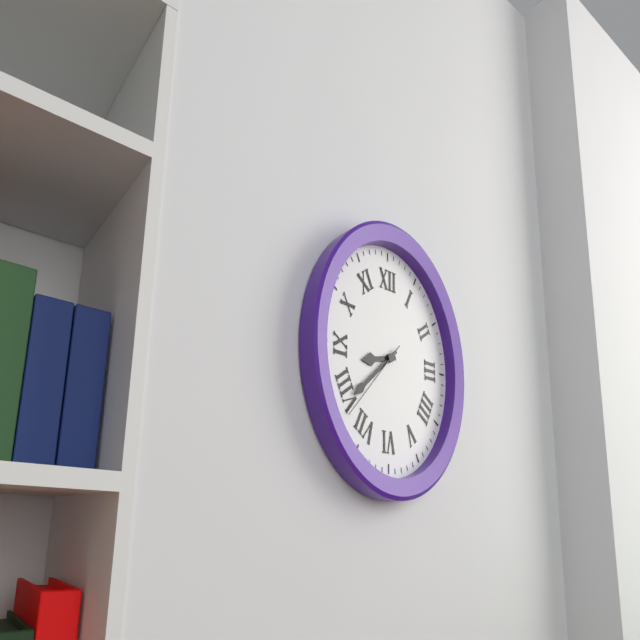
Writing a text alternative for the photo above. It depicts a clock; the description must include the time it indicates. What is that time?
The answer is 8:39:38
